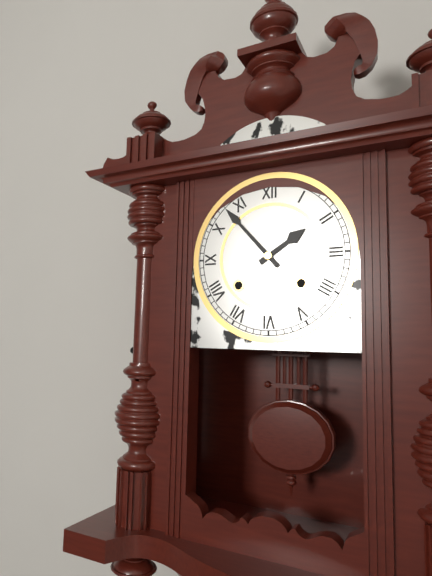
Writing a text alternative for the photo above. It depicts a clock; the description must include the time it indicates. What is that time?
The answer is 1:53
